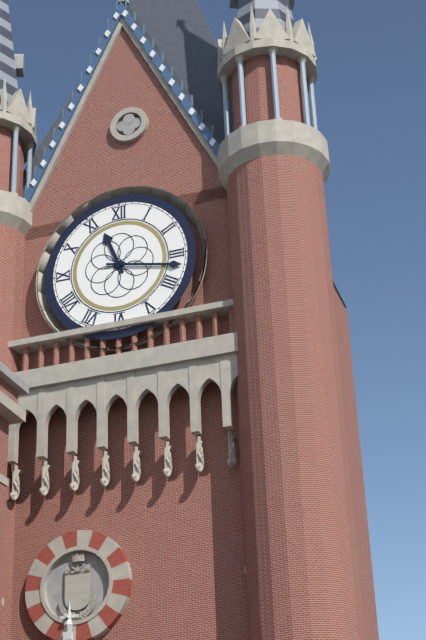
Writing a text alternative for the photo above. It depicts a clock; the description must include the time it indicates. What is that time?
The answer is 11:17
